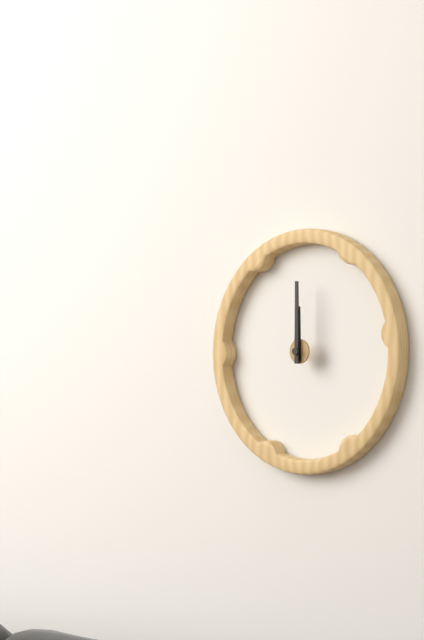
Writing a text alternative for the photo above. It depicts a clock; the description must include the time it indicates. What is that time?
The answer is 12:00
